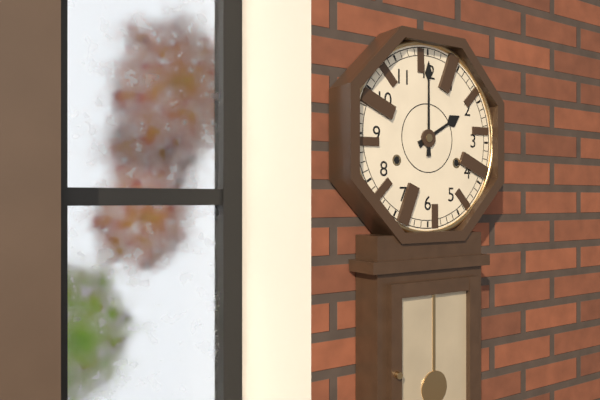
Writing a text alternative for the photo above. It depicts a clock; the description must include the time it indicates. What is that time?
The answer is 2:00
